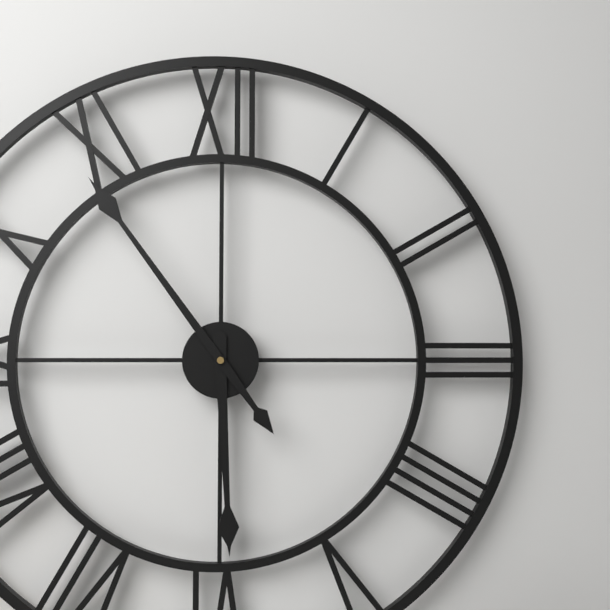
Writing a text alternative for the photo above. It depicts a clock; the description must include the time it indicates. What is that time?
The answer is 5:54
